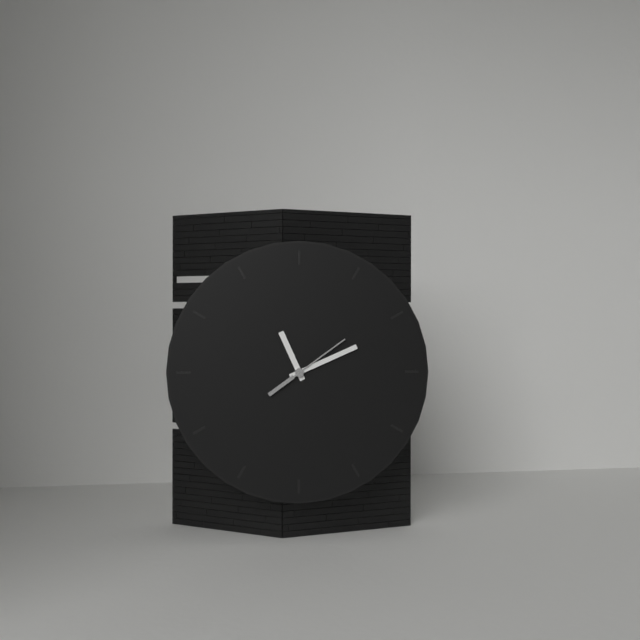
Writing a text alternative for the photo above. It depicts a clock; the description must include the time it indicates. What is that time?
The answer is 11:11:09
